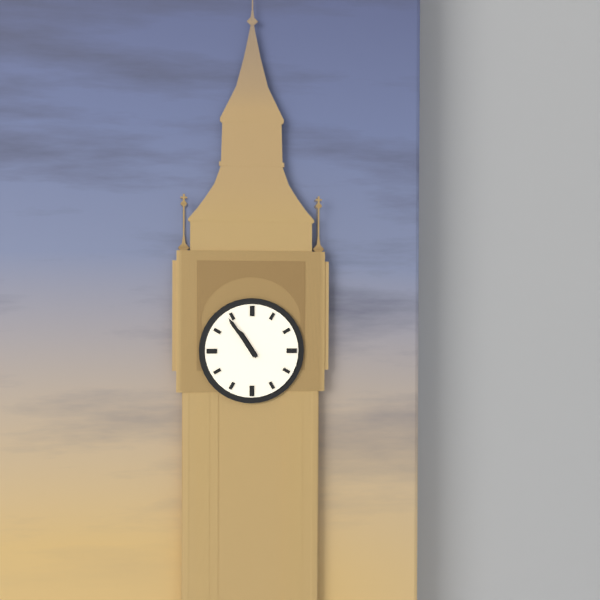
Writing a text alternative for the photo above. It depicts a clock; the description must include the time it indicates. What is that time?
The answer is 10:54
